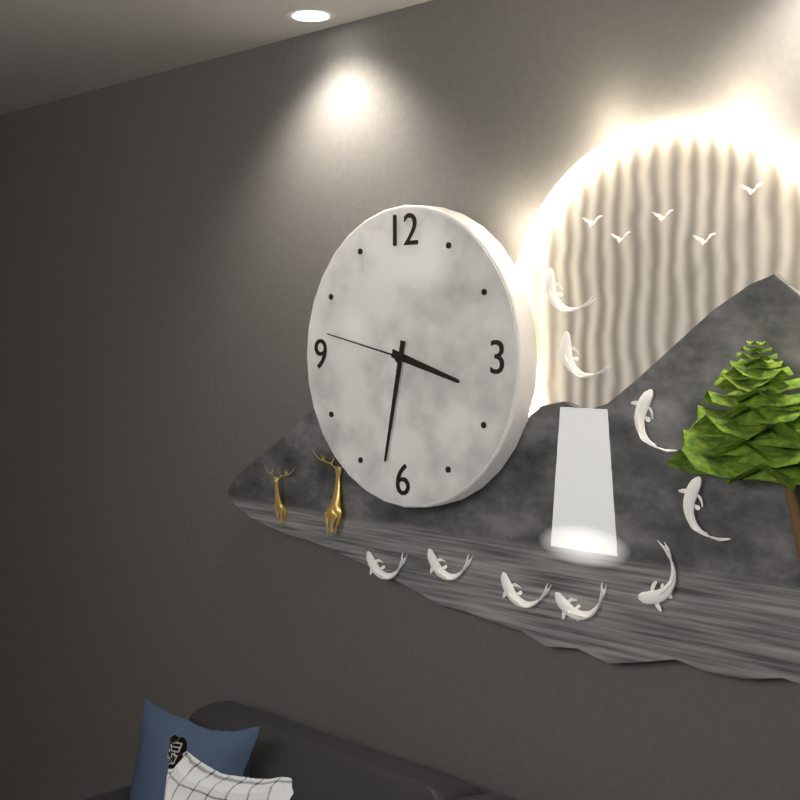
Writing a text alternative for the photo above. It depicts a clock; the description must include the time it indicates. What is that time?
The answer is 3:32:47
